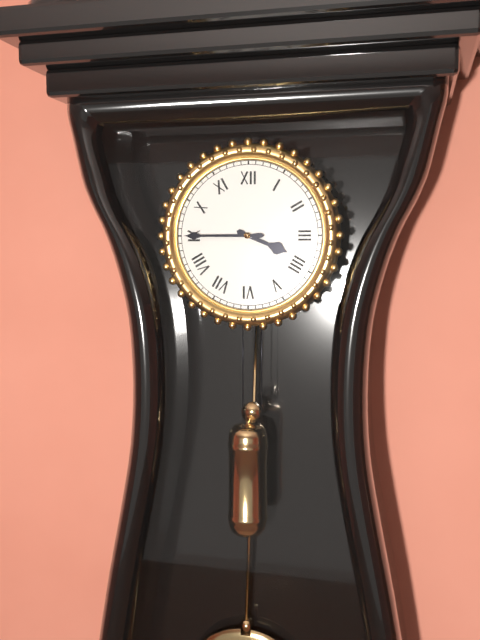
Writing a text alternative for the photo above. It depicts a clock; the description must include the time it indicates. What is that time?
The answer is 3:45
